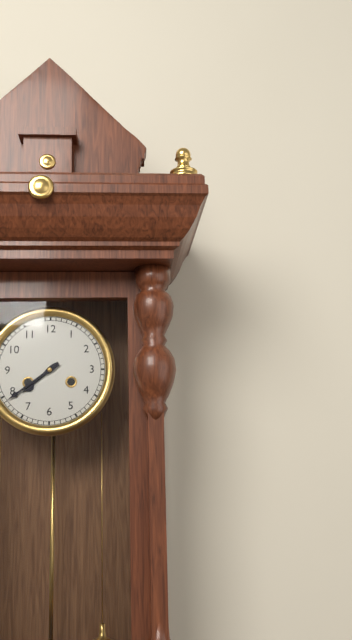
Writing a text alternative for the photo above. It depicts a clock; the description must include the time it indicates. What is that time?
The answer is 7:39
